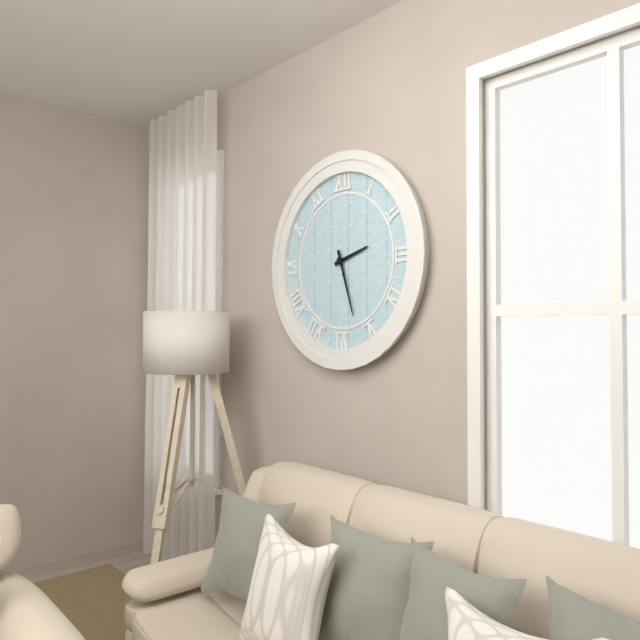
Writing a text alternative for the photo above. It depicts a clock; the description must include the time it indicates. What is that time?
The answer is 2:27
